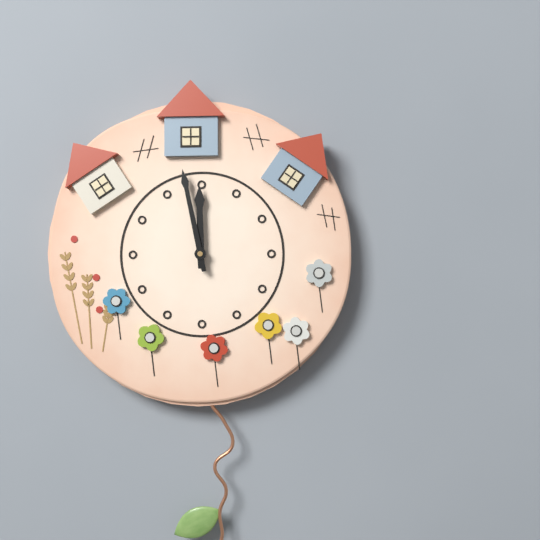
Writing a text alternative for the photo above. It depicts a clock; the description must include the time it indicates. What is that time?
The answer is 11:58
